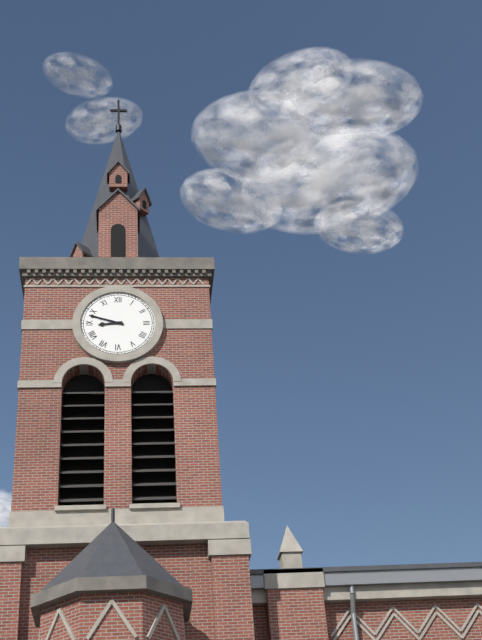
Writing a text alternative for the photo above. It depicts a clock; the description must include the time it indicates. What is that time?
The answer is 8:48
